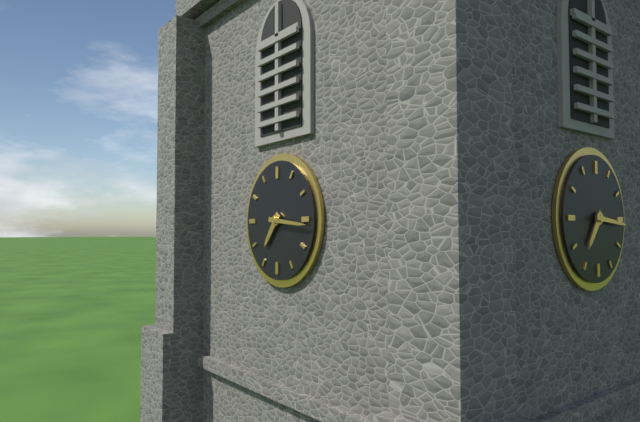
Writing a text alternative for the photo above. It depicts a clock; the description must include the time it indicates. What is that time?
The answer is 7:16
